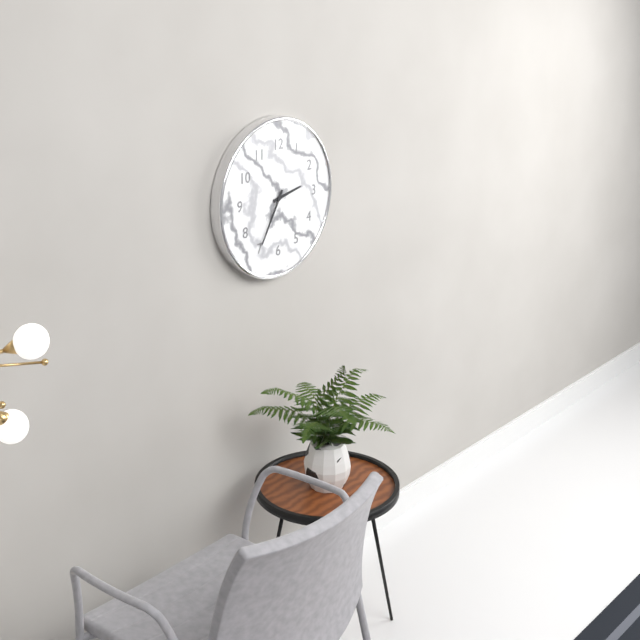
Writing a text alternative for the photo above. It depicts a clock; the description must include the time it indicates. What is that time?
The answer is 2:35
